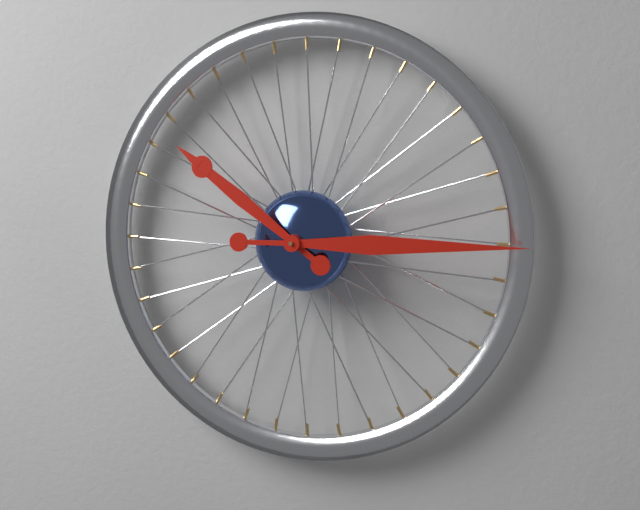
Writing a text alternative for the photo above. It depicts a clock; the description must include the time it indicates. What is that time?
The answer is 10:15
